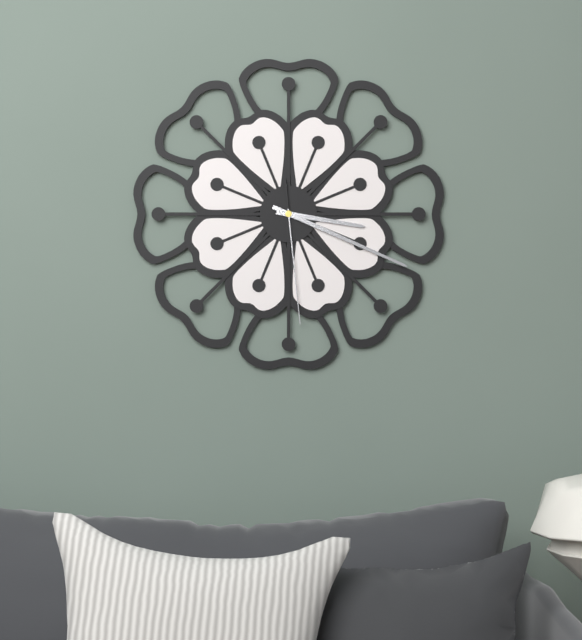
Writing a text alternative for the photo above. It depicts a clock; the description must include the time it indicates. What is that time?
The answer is 3:19:29
